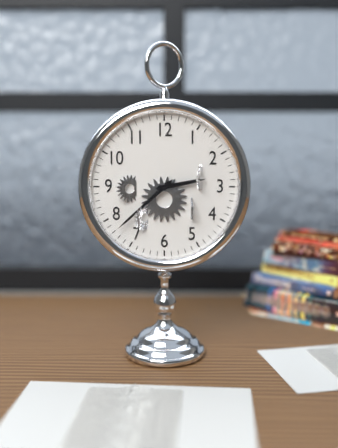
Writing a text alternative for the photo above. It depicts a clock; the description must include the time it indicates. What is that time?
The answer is 2:38
